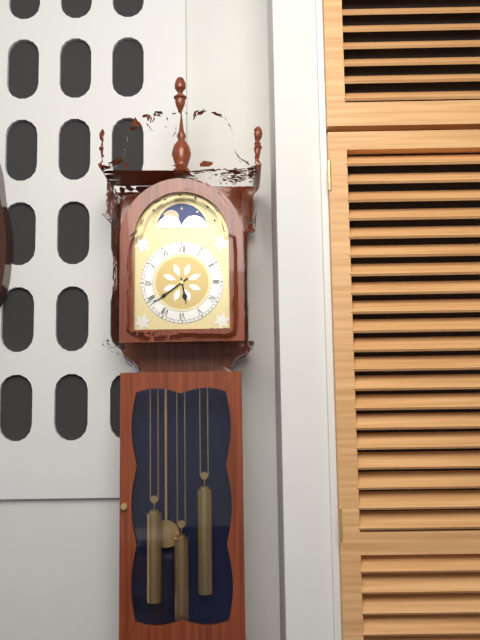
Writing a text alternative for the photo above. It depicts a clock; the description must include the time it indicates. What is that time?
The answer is 5:39
